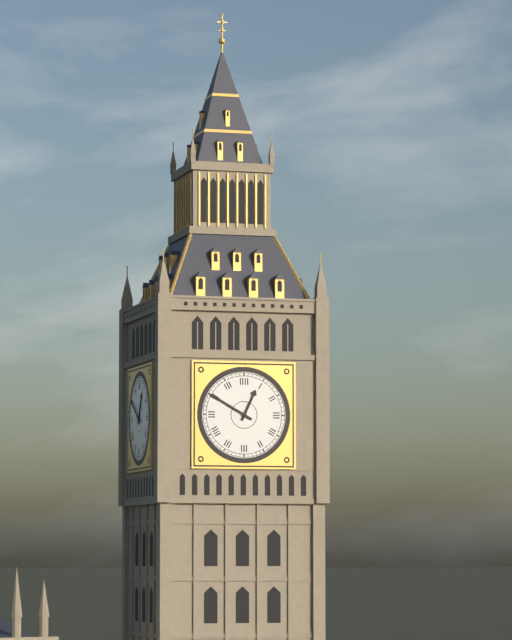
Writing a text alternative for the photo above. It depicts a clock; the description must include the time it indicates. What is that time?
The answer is 12:50
